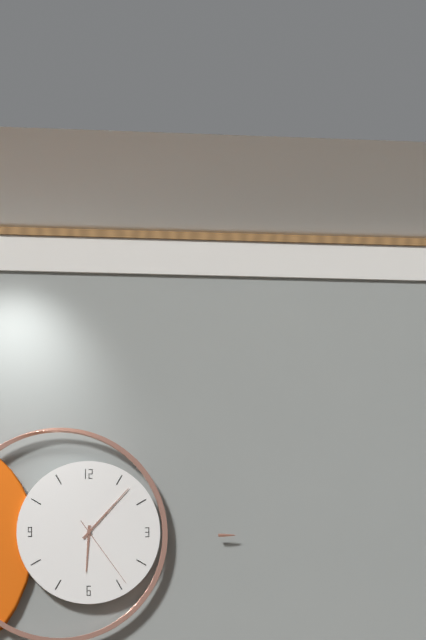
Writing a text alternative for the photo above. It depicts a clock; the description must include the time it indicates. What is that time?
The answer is 6:07:24
